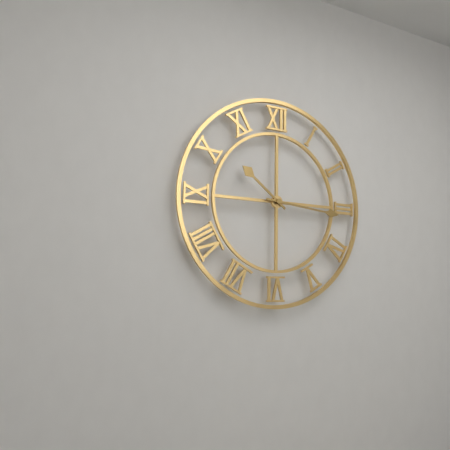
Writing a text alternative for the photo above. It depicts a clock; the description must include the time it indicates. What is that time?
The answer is 10:16
